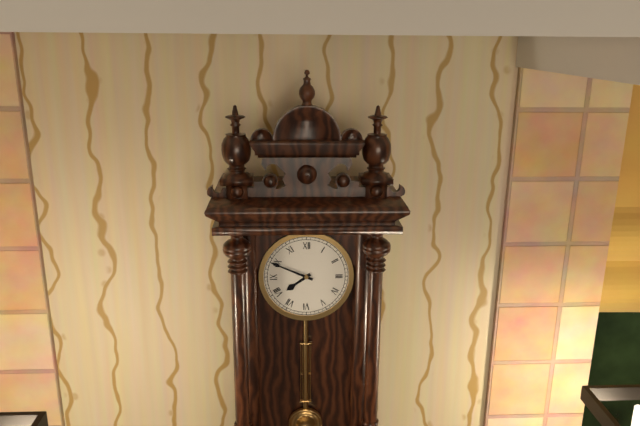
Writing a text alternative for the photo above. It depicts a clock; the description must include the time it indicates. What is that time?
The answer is 7:49
